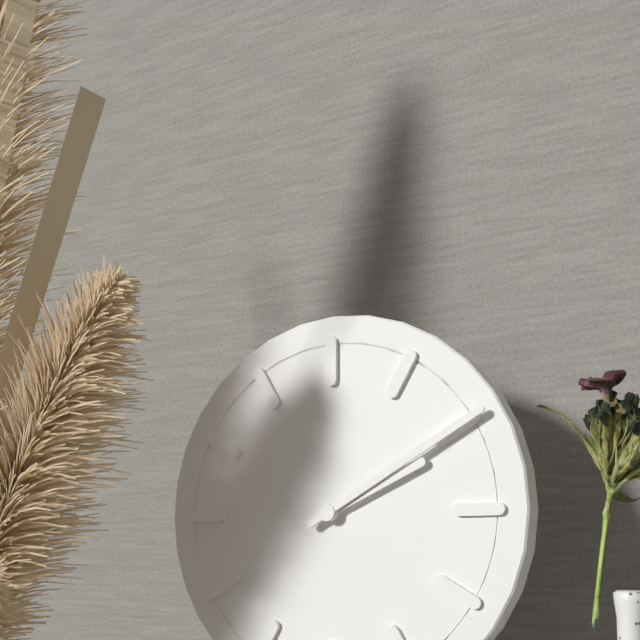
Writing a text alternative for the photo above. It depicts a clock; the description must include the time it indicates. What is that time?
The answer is 2:10
